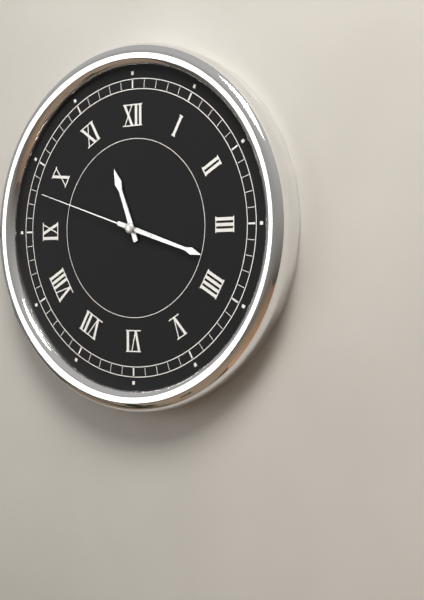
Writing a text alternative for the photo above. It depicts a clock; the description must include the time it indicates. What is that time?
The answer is 11:18:48
